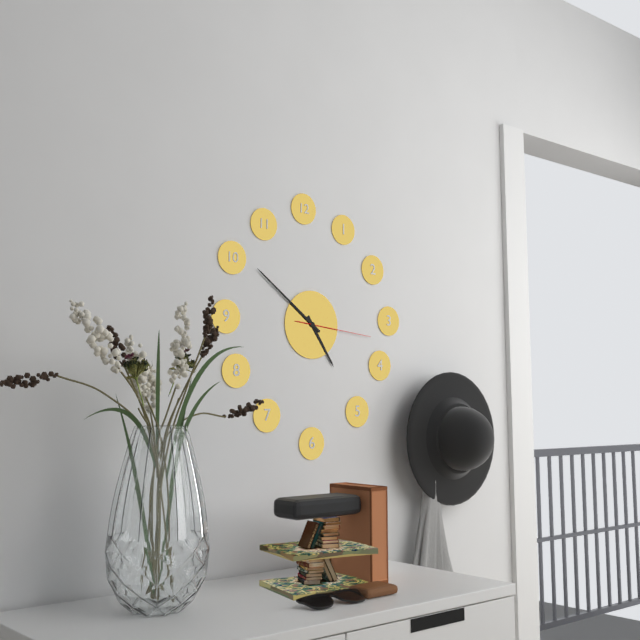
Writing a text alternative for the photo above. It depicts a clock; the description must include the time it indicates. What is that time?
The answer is 4:51:16
